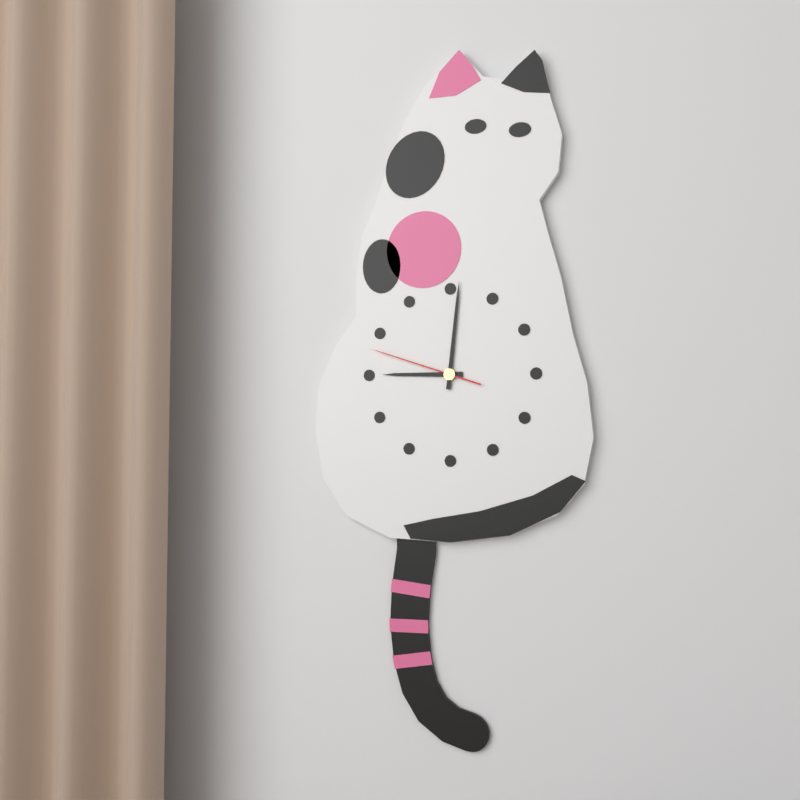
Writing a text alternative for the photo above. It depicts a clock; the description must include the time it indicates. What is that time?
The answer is 9:01:48
